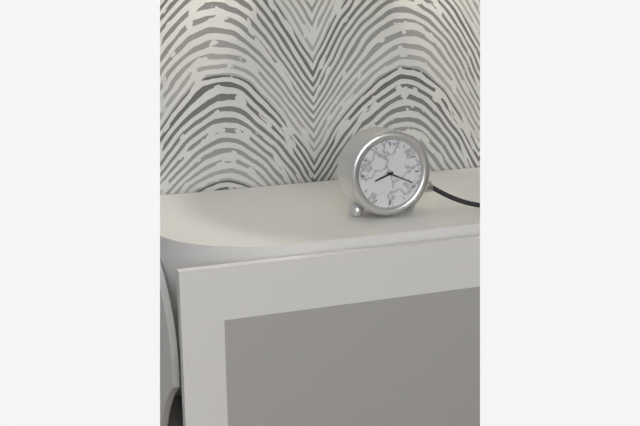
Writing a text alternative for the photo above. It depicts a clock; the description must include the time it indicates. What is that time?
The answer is 8:19
